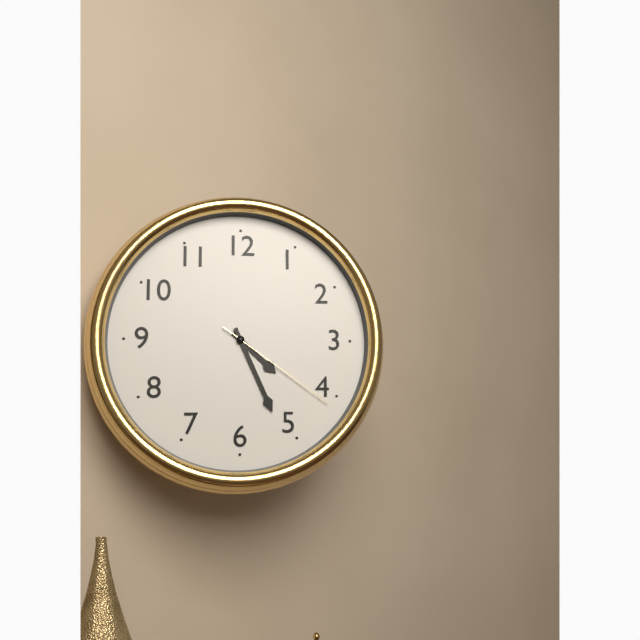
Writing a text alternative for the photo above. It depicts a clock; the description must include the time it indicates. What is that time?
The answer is 4:26:21
